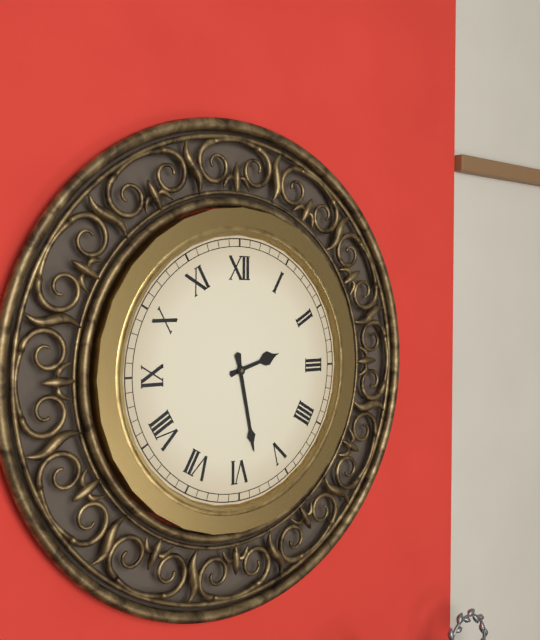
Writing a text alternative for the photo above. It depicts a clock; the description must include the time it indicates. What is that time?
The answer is 2:28
